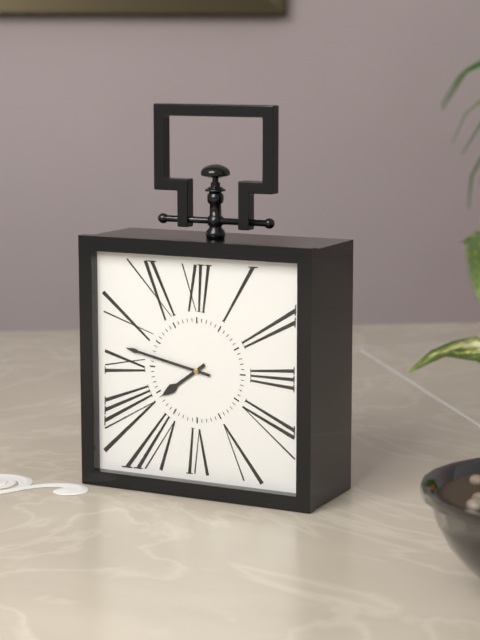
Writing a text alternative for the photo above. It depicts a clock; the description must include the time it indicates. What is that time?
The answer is 7:47
